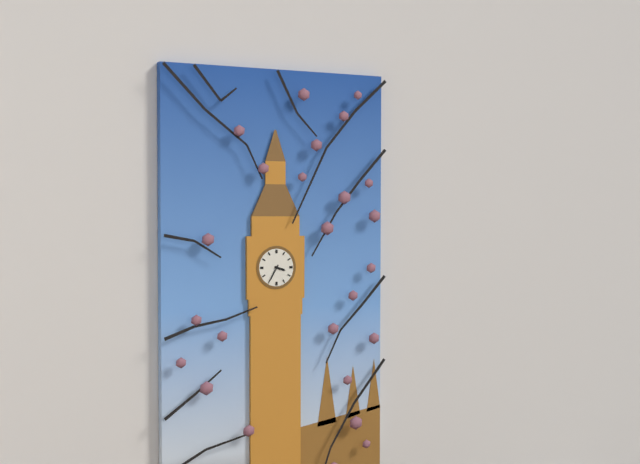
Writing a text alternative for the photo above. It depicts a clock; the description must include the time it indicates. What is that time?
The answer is 3:35
